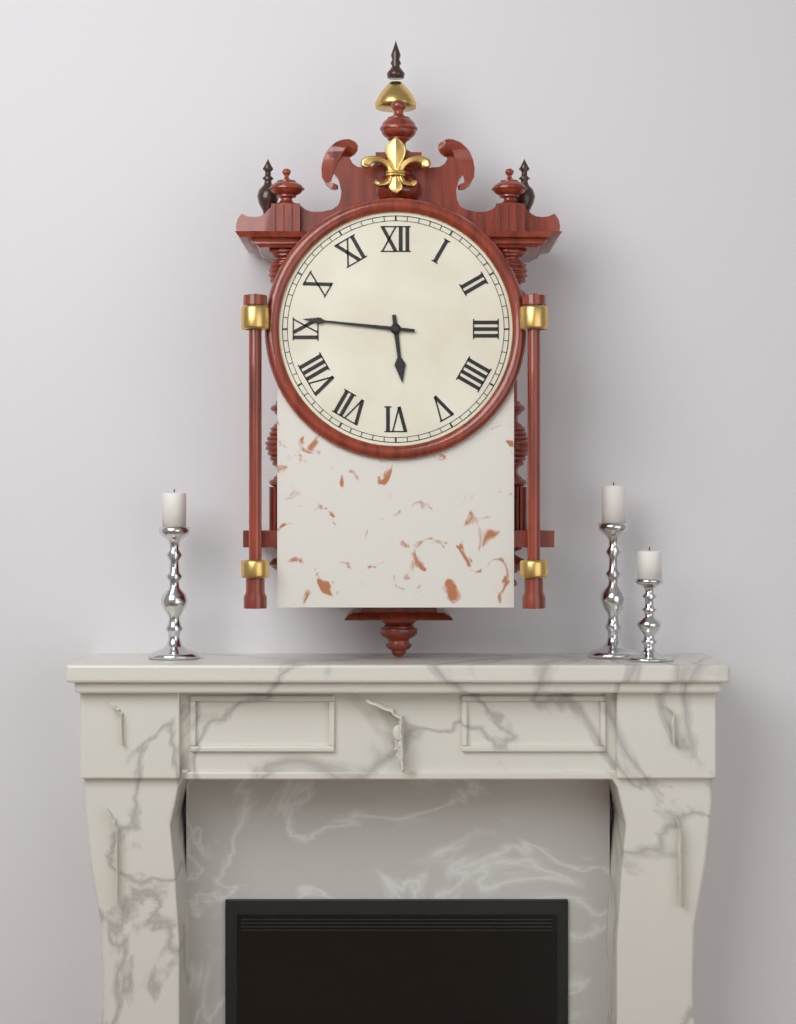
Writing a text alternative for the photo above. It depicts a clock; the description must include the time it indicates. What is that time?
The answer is 5:46
